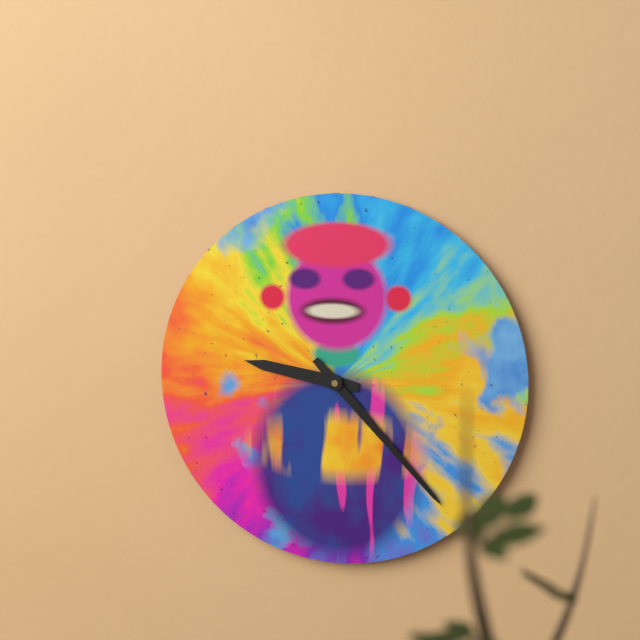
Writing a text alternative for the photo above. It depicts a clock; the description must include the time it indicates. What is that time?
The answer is 9:23
